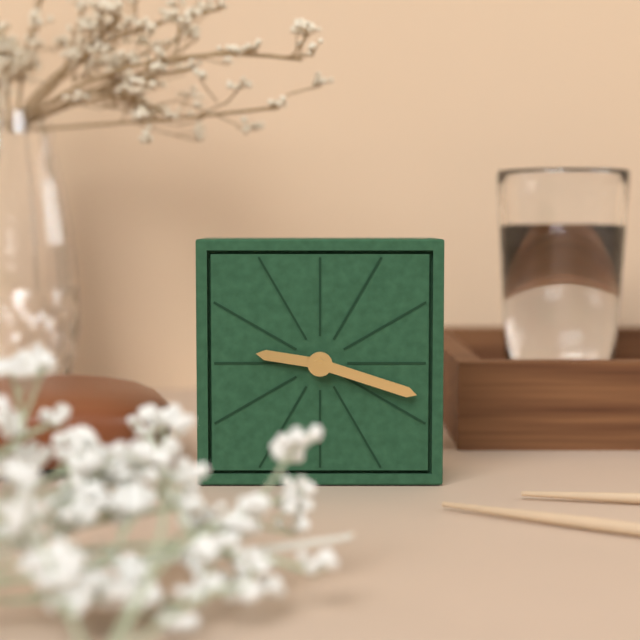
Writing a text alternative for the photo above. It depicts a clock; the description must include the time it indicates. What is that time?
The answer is 9:18
